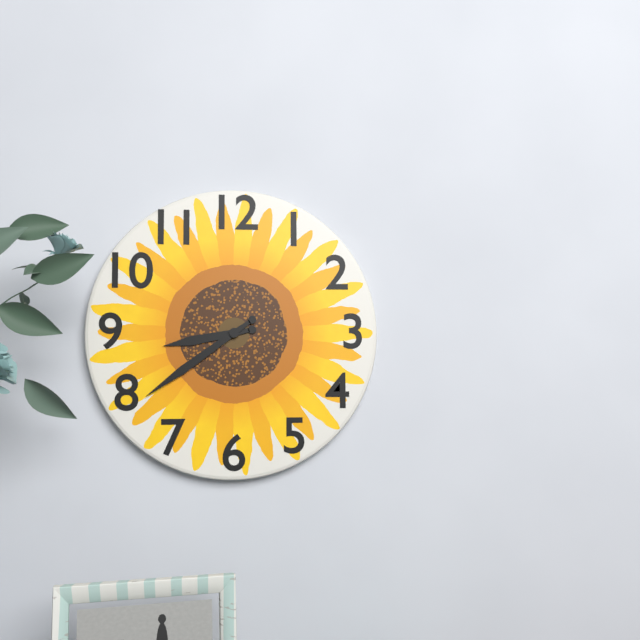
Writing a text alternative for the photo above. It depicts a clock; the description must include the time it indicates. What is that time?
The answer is 8:39
